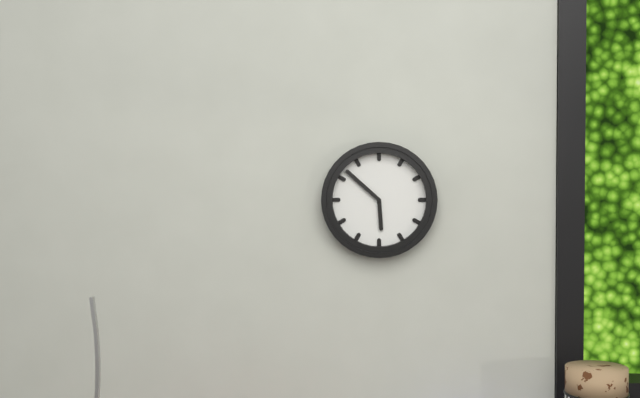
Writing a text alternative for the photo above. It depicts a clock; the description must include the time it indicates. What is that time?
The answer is 5:52
